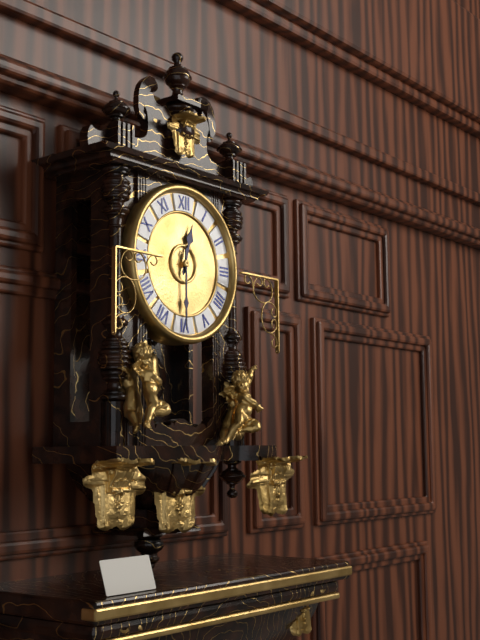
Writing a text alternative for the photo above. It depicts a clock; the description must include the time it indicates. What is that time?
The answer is 12:30
